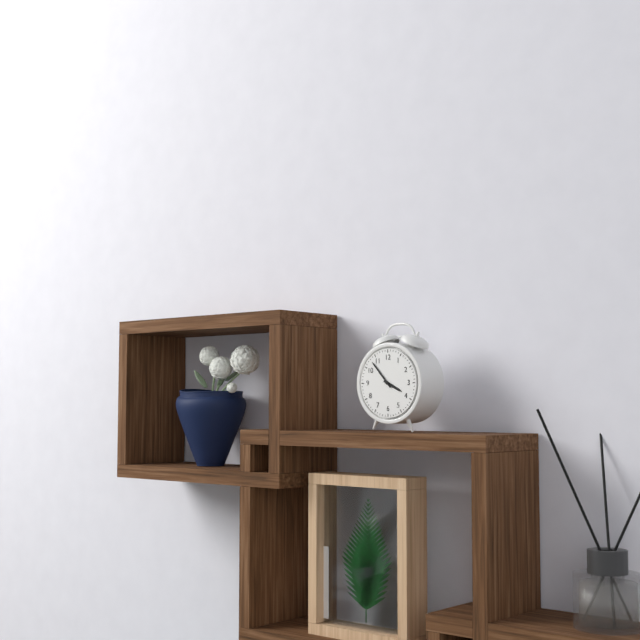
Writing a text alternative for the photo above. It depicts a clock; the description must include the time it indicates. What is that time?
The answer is 3:53
